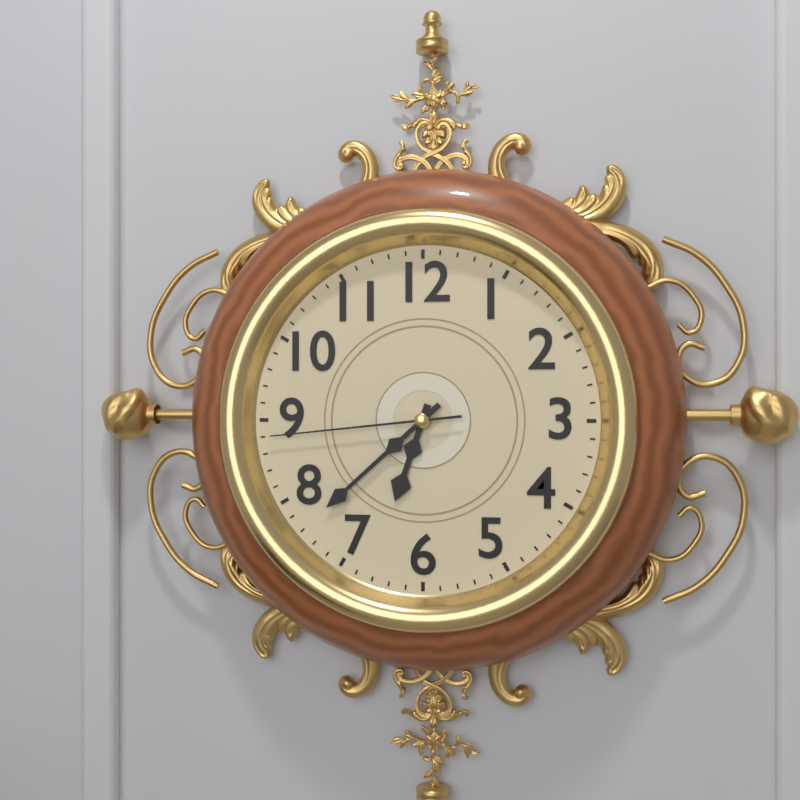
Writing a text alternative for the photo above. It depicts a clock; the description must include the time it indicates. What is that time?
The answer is 6:38:44
